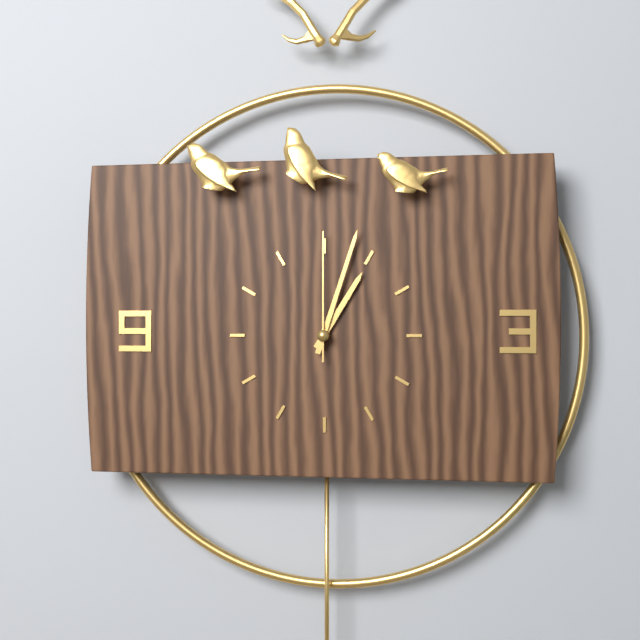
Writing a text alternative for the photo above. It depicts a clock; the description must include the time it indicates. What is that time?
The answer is 1:03:00
